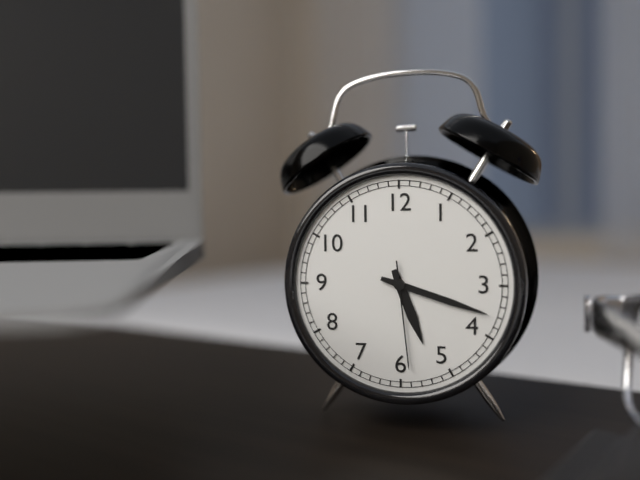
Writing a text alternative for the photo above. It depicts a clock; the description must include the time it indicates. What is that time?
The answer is 5:18:29
